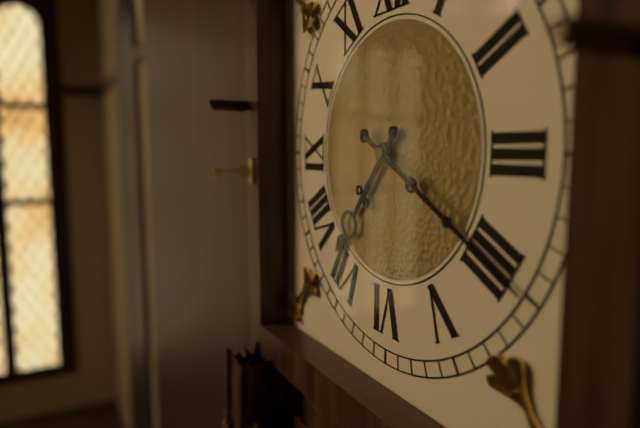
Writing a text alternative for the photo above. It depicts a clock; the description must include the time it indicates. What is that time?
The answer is 7:20
